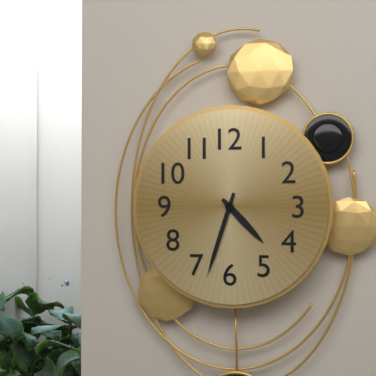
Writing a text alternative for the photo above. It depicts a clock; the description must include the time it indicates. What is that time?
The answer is 4:33
